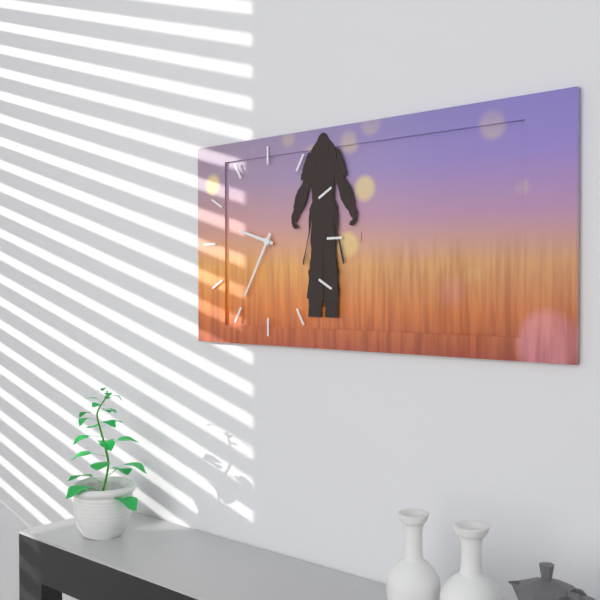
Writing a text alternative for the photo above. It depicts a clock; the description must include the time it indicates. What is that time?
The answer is 9:35
